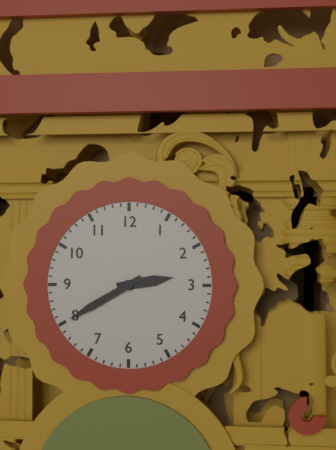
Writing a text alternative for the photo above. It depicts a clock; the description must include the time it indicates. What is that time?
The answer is 2:40
